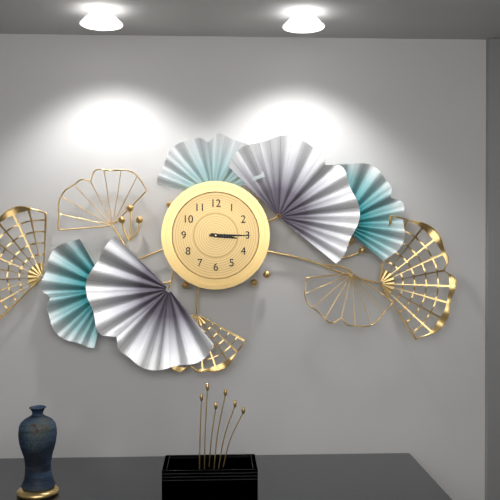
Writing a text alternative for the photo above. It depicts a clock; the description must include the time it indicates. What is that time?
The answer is 3:15
